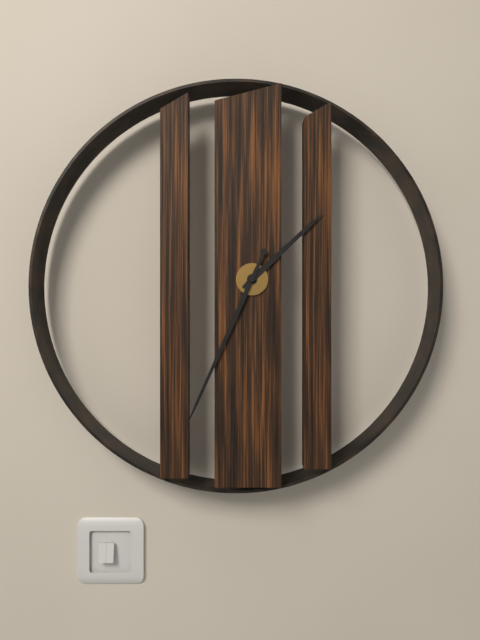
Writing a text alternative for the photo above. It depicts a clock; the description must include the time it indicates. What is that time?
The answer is 1:34
